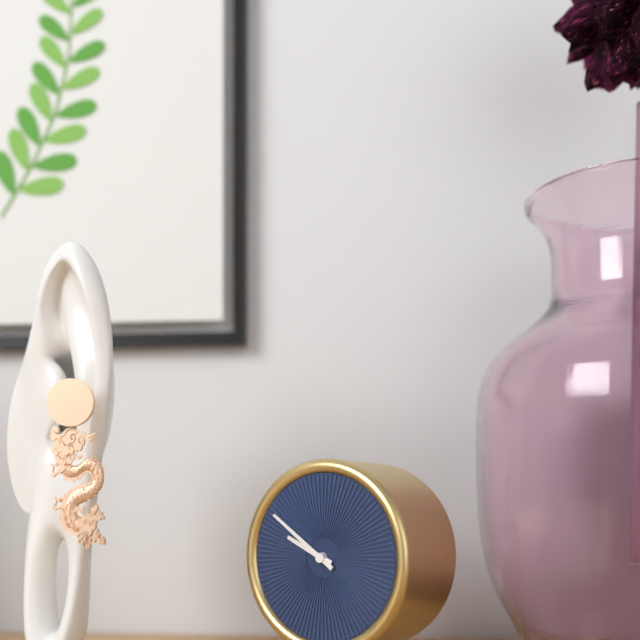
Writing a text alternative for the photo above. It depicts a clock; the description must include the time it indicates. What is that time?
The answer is 9:51
